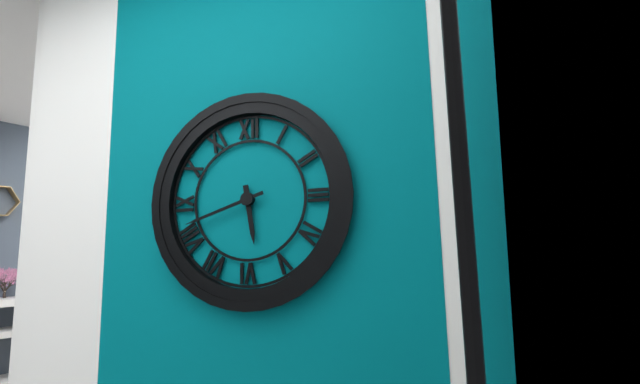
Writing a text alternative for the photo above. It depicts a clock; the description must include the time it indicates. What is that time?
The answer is 5:42
